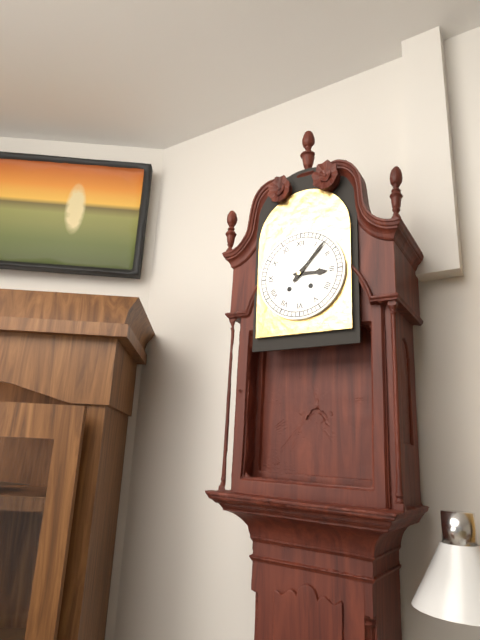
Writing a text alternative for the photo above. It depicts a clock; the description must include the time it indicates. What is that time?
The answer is 3:07
